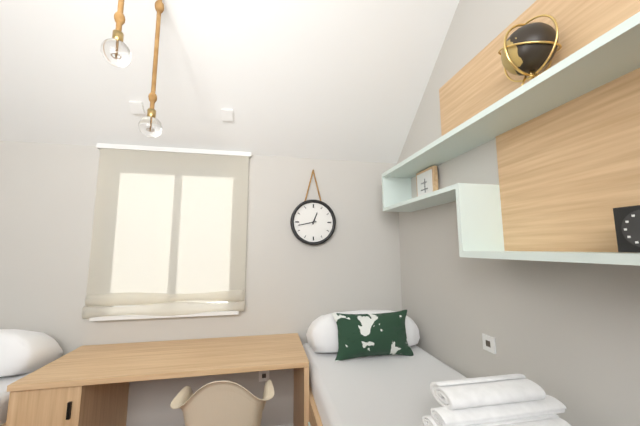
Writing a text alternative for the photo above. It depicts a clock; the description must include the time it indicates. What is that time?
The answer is 12:43
